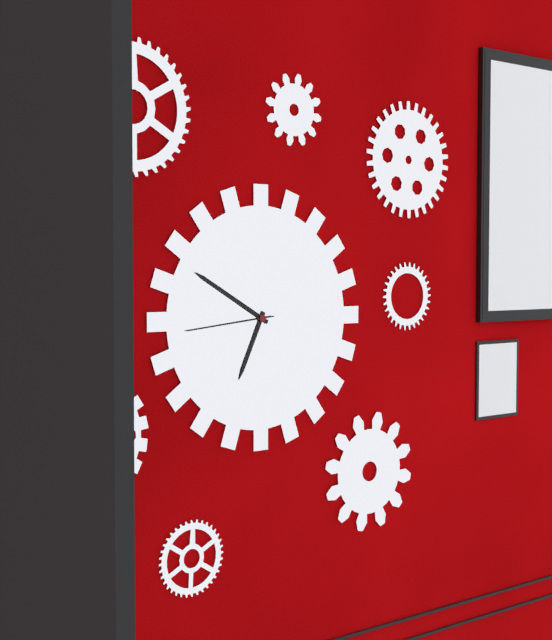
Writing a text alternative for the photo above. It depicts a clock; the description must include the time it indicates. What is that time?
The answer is 6:50:44
